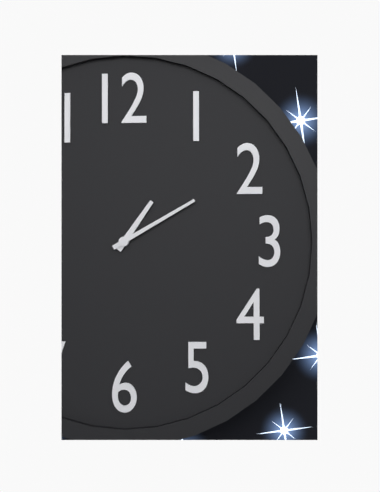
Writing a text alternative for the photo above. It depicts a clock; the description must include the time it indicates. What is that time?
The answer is 1:10
